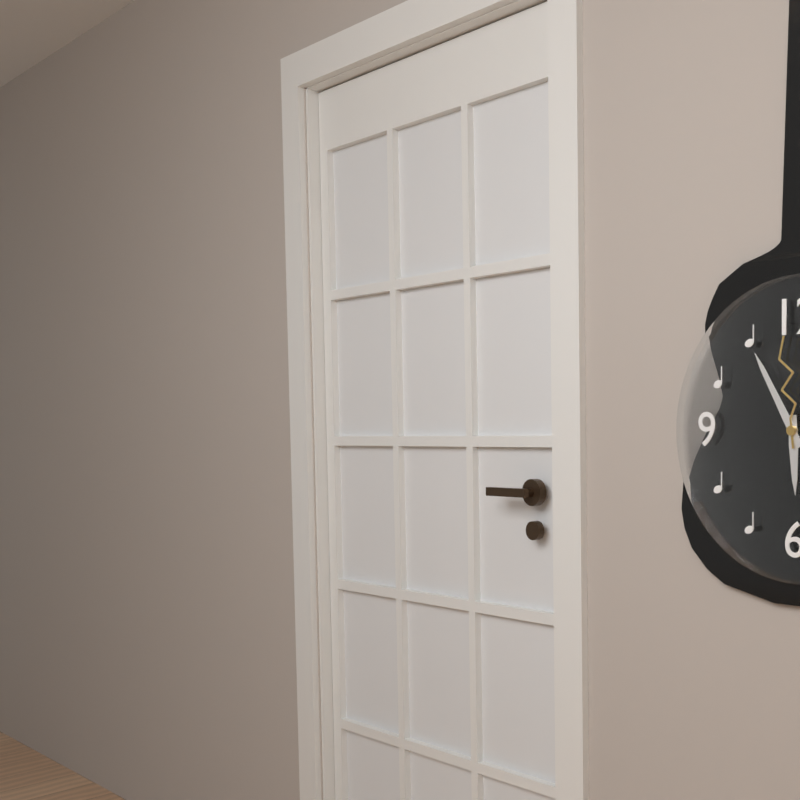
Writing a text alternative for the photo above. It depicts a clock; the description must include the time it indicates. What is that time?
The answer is 5:55:59
